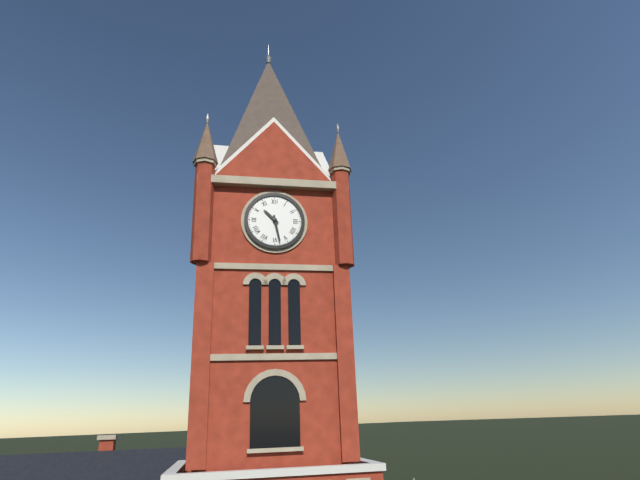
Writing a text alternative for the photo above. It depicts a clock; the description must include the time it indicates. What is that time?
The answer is 10:28
